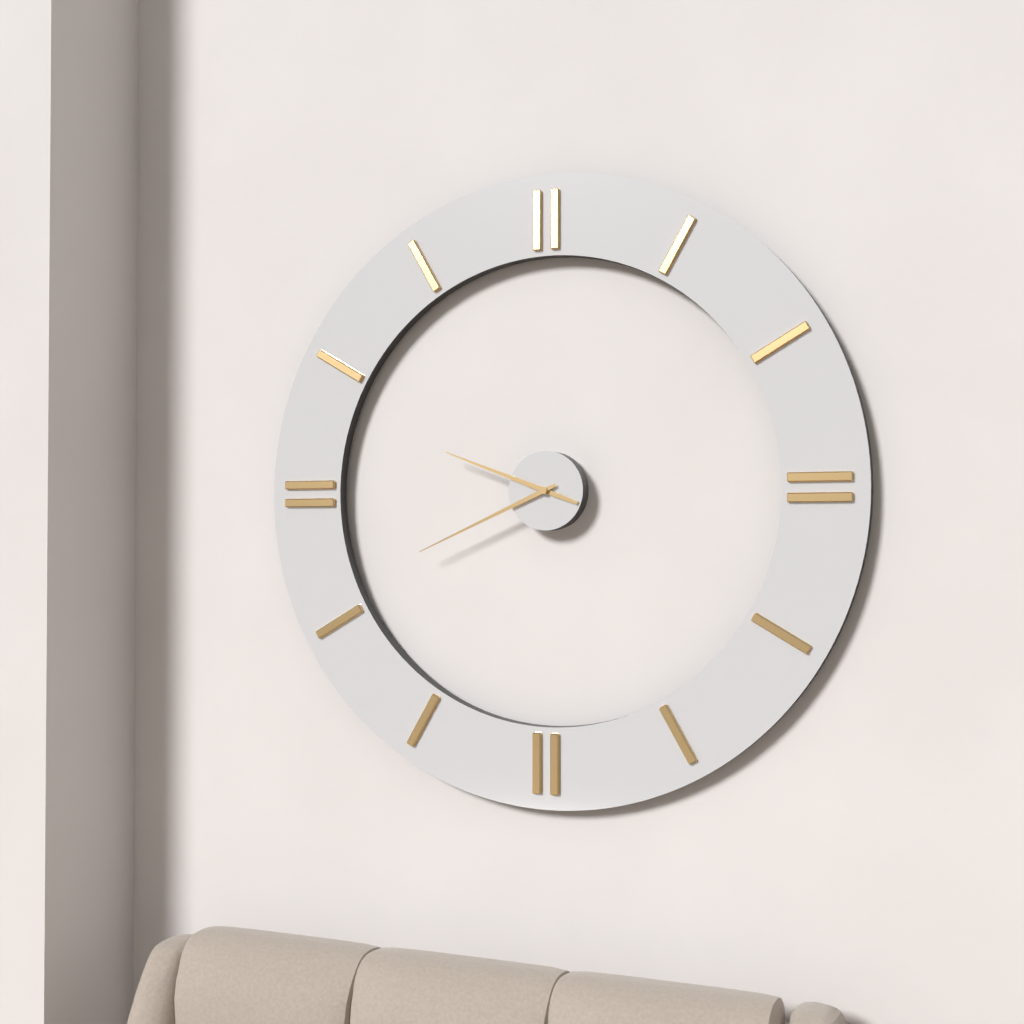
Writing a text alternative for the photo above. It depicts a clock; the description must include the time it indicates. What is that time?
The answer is 9:41
